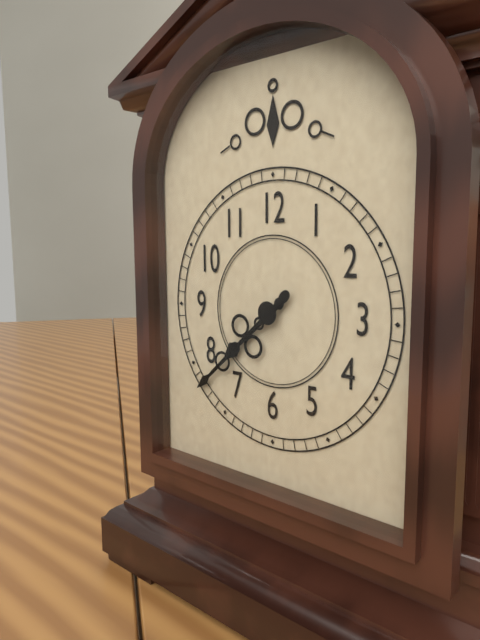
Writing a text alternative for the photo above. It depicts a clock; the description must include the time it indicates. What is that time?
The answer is 7:38
